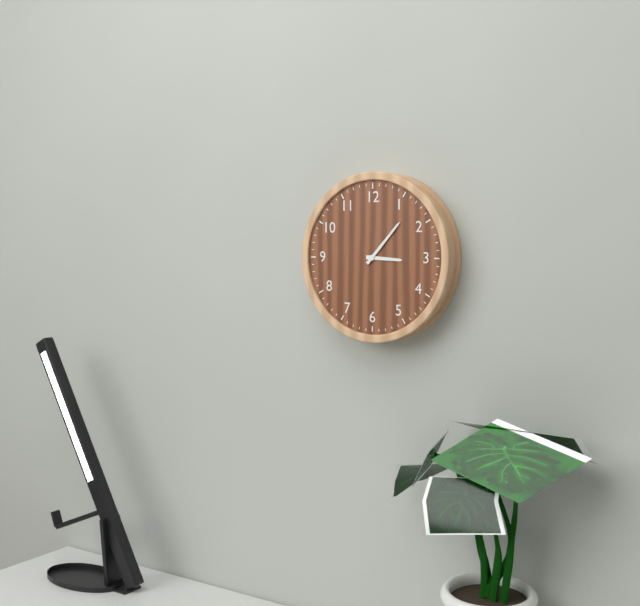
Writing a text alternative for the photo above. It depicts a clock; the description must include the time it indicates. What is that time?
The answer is 3:07
